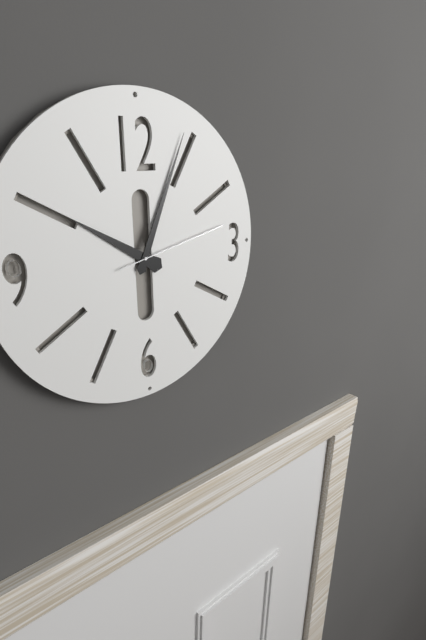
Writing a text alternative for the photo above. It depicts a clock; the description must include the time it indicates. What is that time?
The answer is 10:04:13
